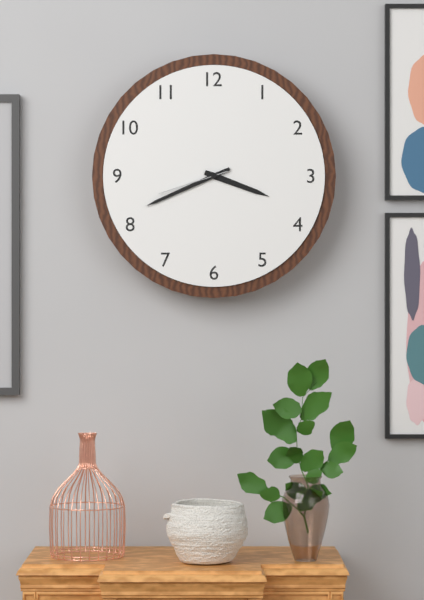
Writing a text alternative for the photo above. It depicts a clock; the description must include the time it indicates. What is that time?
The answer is 3:41:42
